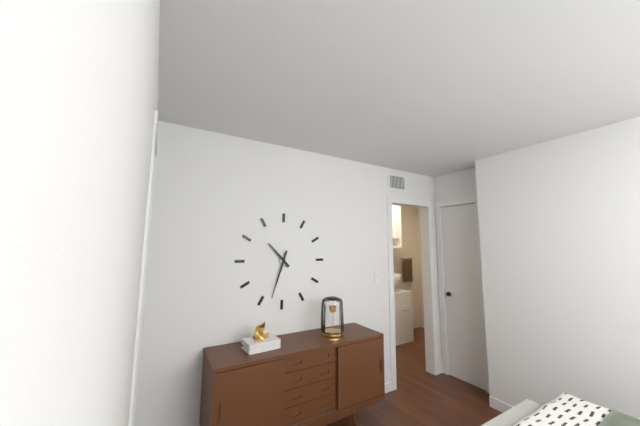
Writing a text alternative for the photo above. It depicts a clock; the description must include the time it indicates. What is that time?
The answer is 10:33
